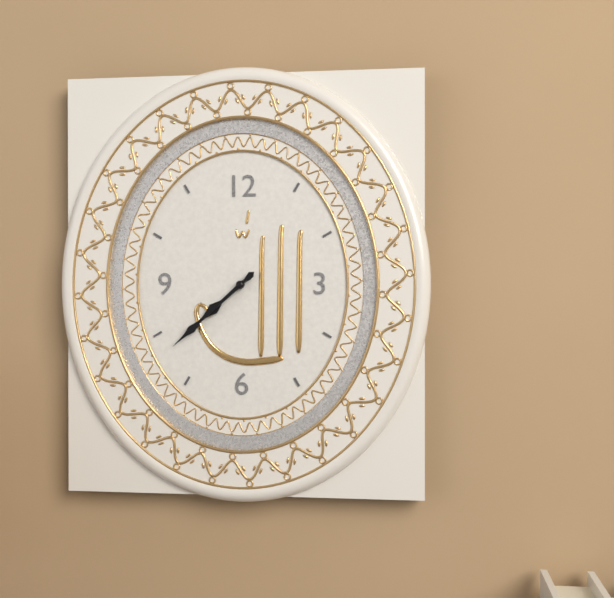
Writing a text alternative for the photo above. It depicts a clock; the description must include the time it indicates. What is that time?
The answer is 7:38
